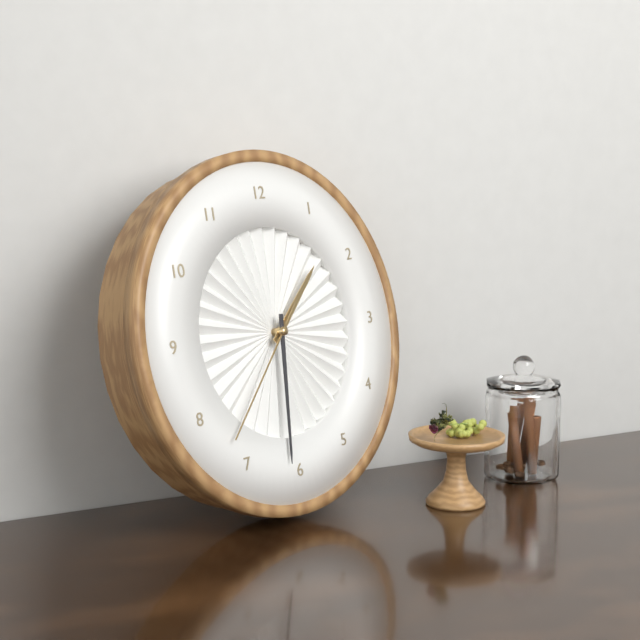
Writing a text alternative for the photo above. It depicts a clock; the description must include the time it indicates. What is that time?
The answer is 1:31:37
